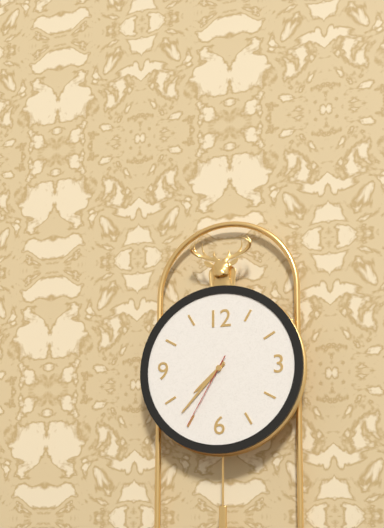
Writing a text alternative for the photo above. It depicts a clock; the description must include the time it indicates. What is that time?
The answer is 7:37:35
